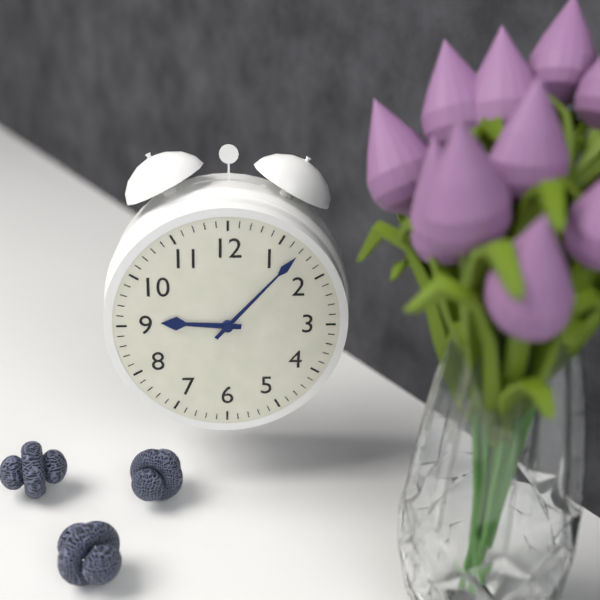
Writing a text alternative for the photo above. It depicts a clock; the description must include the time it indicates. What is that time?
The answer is 9:07
